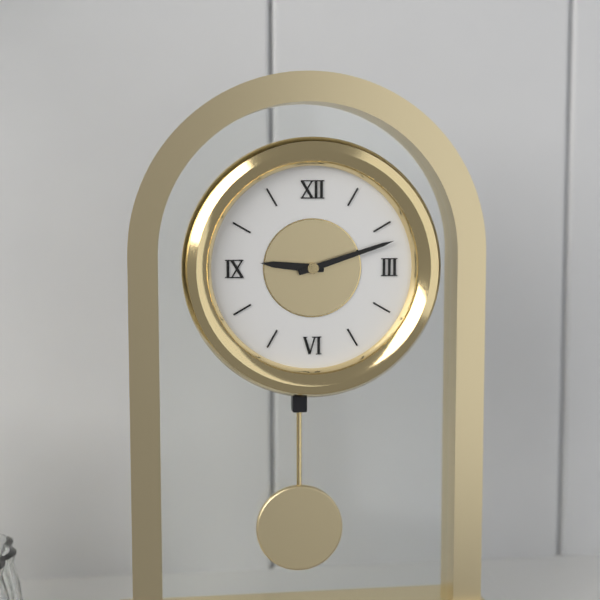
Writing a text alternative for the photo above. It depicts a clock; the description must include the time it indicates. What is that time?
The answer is 9:12
